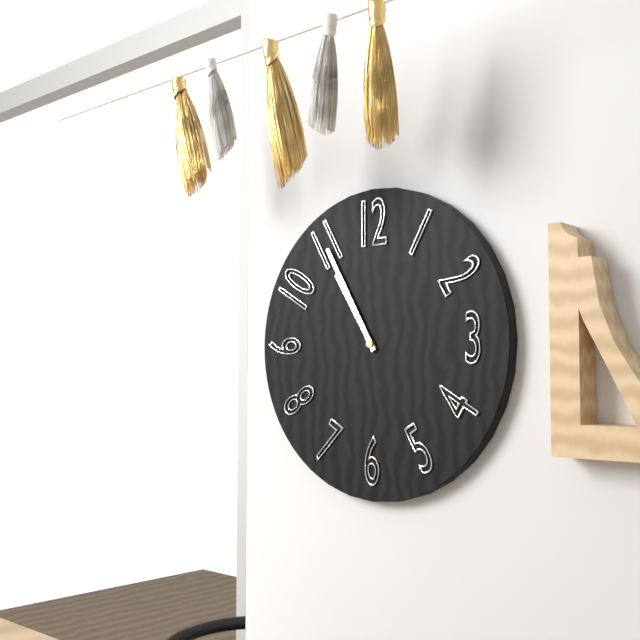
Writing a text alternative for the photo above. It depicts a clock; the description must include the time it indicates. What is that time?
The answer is 10:55
